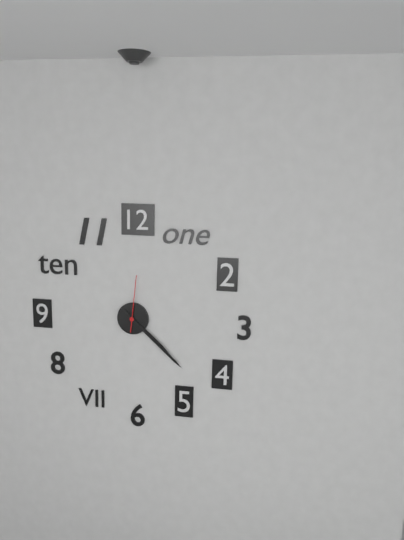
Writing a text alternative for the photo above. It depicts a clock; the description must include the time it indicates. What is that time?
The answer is 4:22:01
